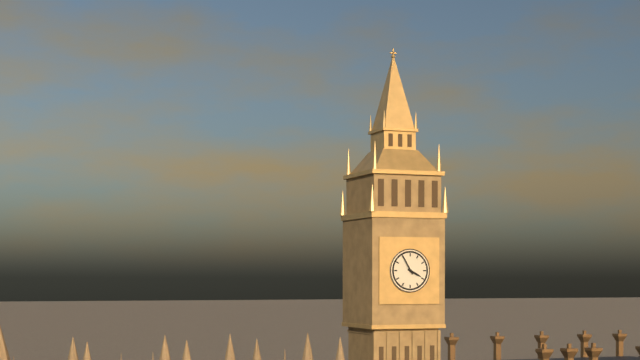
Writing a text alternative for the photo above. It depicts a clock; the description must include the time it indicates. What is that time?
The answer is 3:55
